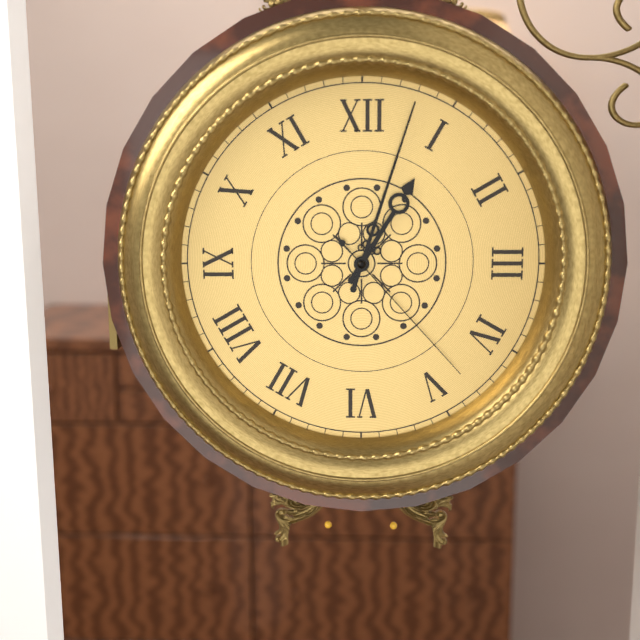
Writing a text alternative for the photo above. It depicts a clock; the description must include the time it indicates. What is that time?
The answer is 1:03:23
